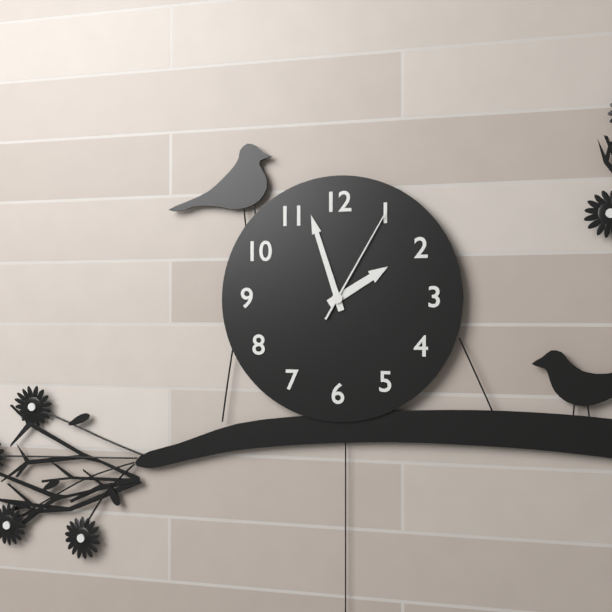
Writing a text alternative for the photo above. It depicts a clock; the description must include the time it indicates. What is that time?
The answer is 1:57:05
